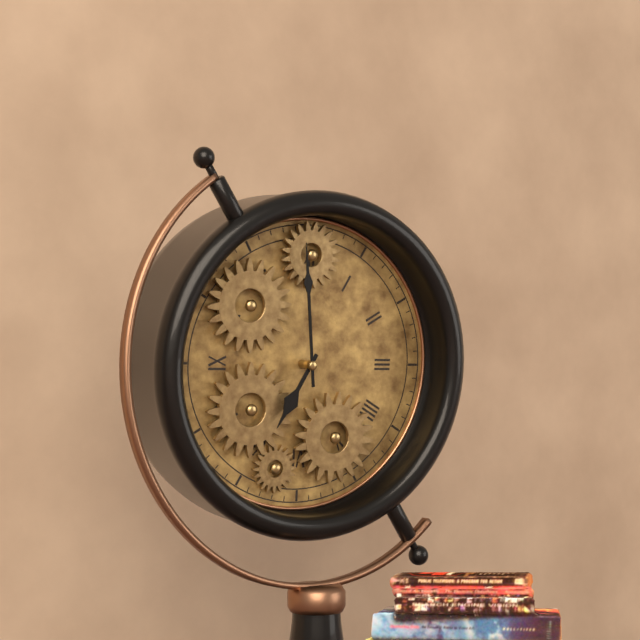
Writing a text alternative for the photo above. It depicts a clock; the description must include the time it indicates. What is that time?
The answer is 6:59
